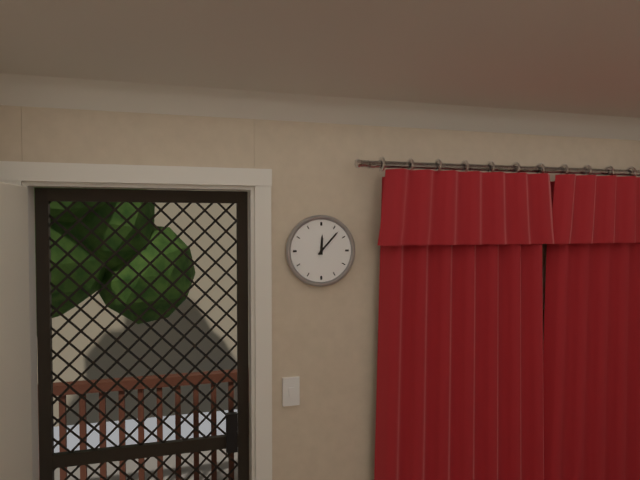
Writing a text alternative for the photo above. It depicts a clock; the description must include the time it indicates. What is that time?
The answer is 12:07
